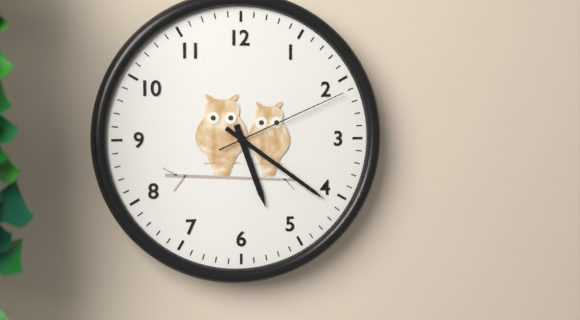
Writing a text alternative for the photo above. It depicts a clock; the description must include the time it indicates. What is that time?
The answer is 5:21:11
